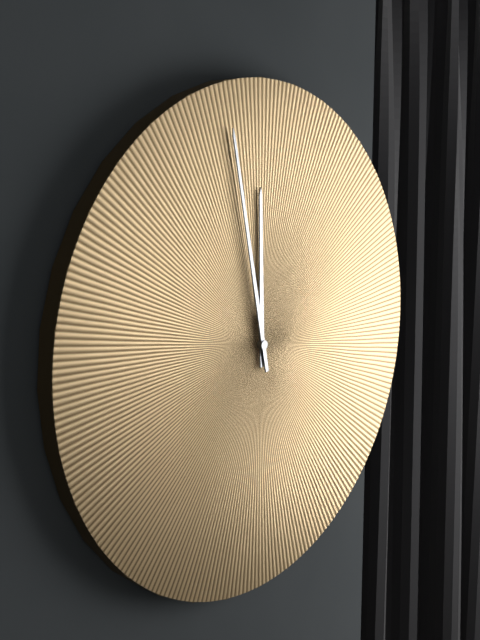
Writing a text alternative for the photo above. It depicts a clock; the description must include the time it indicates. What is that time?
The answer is 11:58
